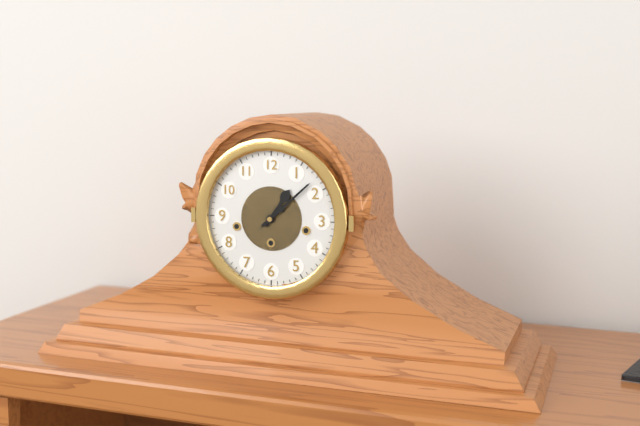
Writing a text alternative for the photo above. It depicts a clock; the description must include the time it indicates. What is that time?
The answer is 1:08
